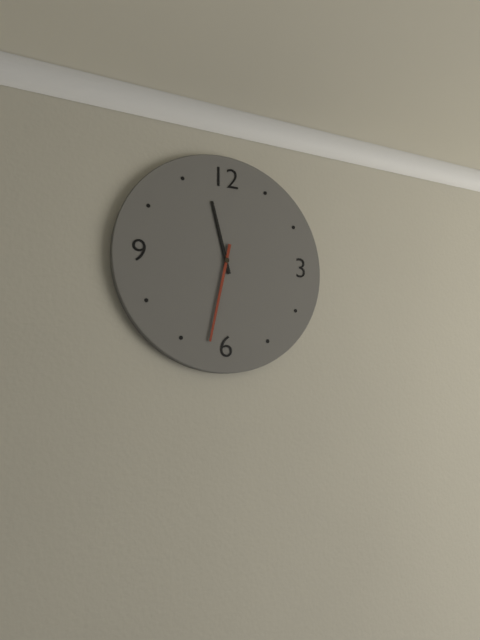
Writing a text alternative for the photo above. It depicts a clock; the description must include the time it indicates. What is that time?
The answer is 11:32
